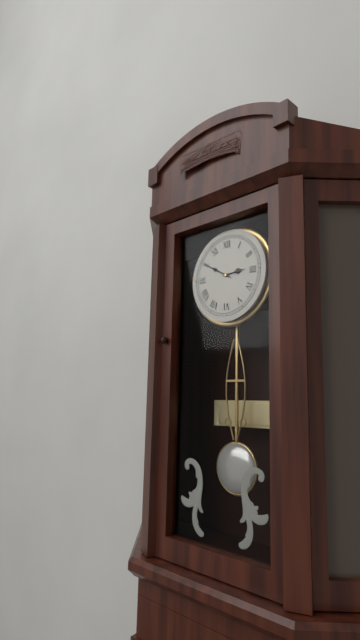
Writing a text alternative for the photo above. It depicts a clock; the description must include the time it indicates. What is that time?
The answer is 2:50
